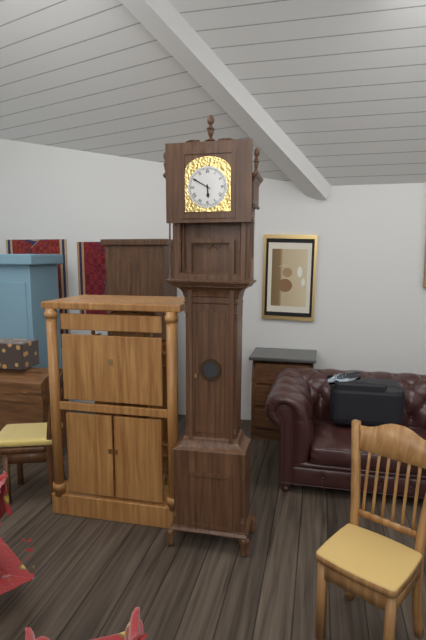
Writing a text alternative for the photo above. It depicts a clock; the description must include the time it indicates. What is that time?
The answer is 5:50
